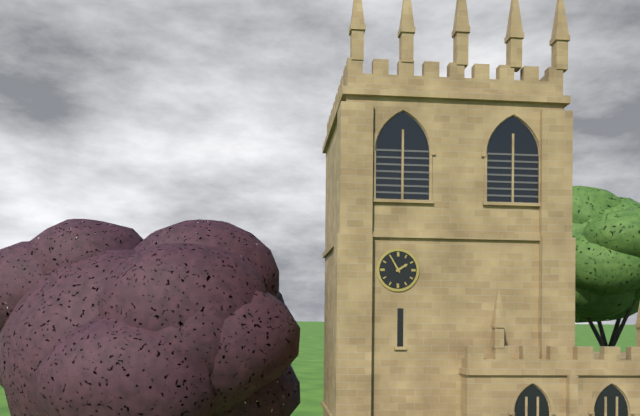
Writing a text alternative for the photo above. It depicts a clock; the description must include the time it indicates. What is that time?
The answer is 1:55
